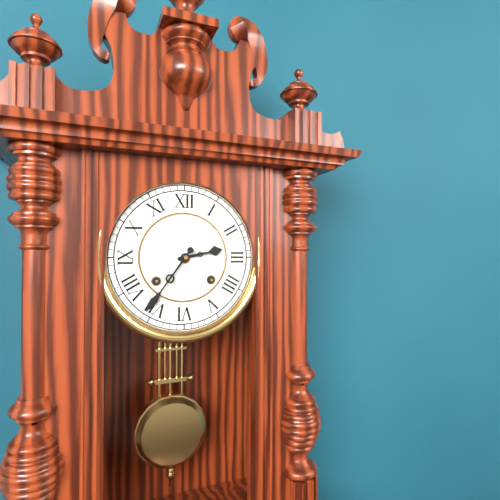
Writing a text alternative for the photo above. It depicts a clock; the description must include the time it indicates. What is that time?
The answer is 2:36
